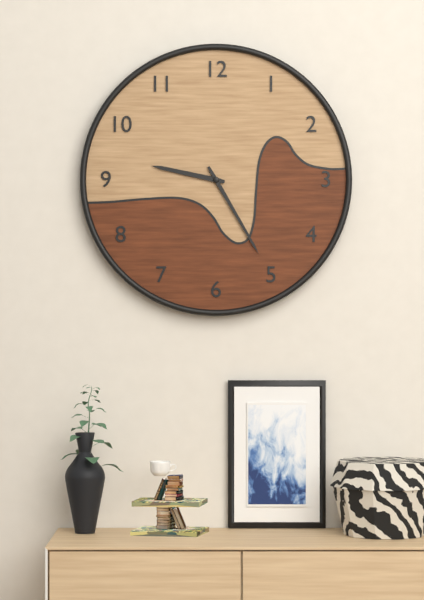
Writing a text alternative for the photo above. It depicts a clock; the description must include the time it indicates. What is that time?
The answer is 9:25
